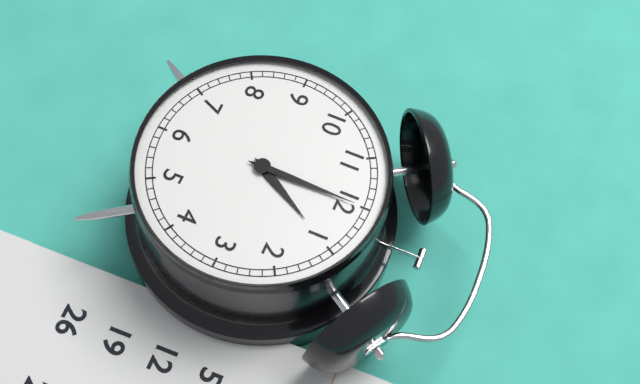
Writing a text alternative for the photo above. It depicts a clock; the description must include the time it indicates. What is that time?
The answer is 1:00
